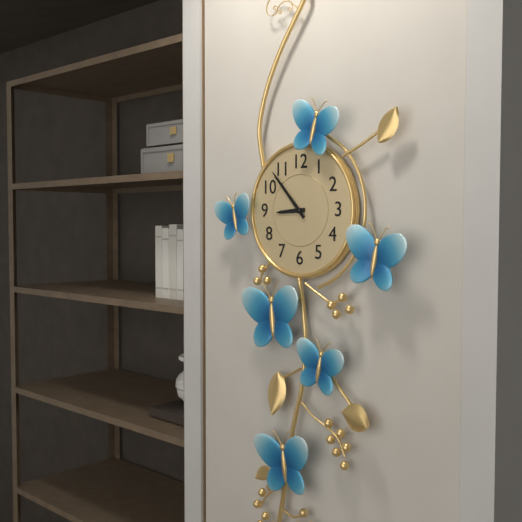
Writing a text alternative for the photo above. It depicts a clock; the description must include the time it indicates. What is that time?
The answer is 8:53
